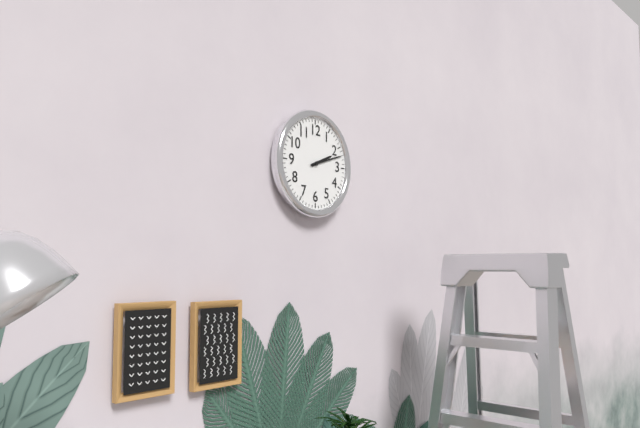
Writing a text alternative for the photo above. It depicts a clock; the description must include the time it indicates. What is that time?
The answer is 2:12
